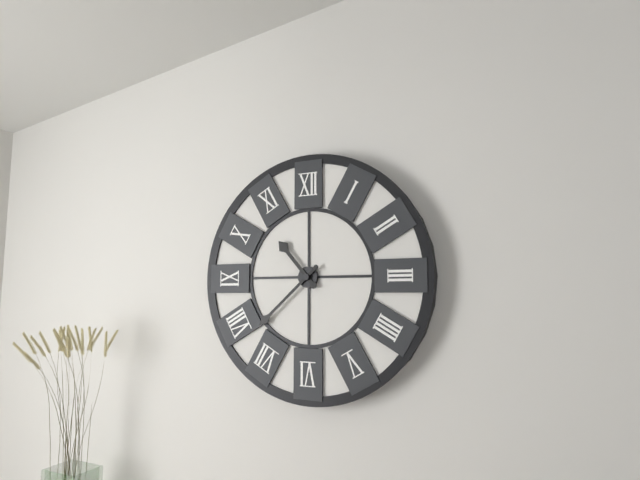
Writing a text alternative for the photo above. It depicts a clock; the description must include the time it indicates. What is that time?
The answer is 10:38
